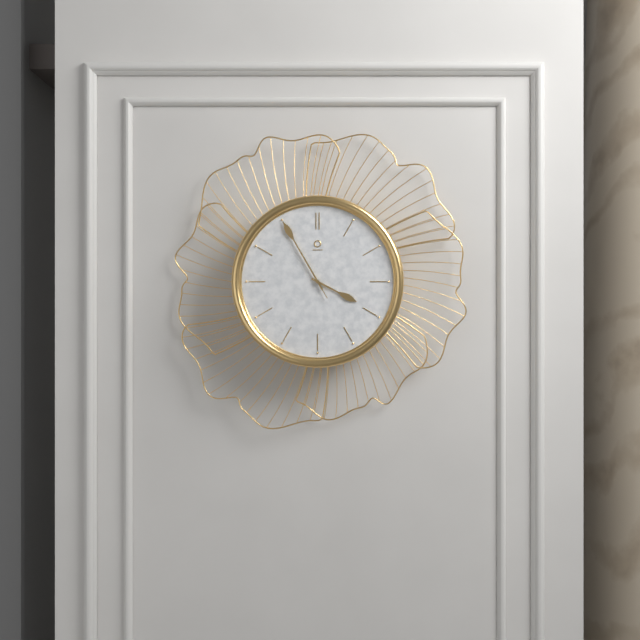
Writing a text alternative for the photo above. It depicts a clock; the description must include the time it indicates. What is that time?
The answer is 3:55:55
